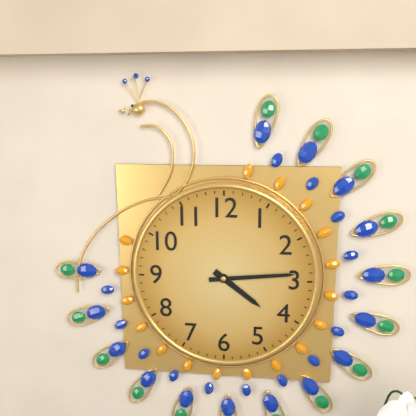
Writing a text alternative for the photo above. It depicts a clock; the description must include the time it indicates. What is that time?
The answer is 4:14
